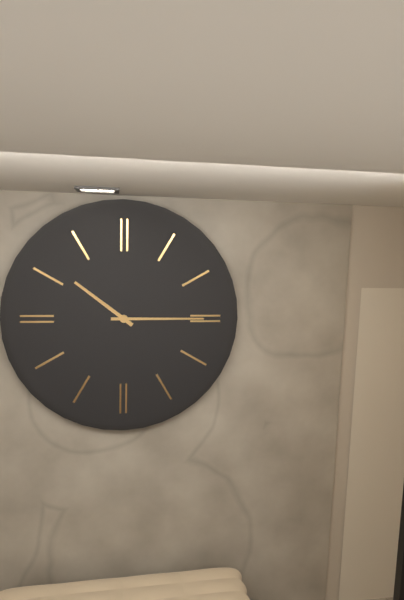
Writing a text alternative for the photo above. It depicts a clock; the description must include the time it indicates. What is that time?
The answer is 10:15
